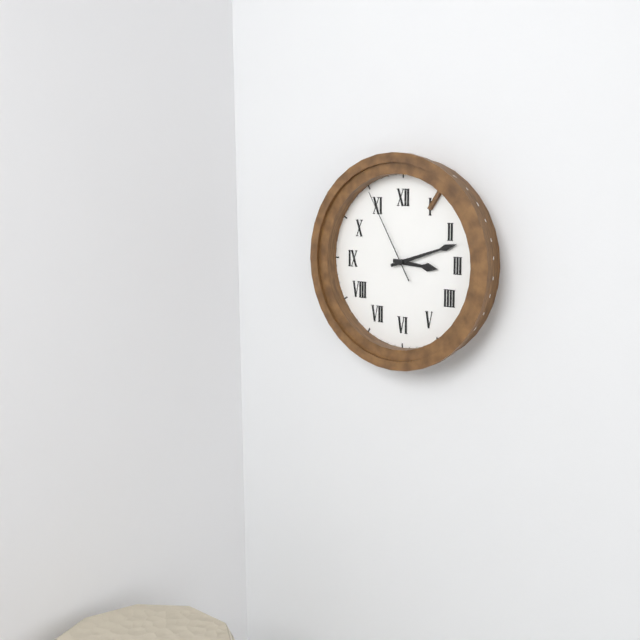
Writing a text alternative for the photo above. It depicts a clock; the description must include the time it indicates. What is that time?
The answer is 3:12:55
